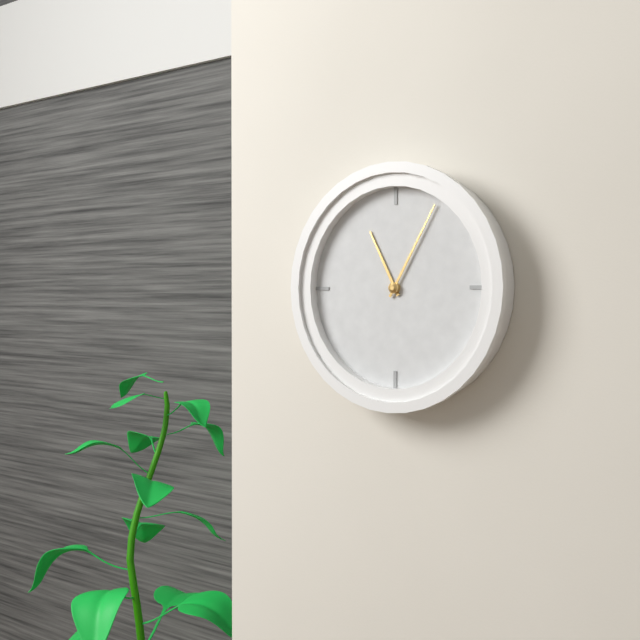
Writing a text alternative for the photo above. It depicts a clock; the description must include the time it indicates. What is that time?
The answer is 11:05
